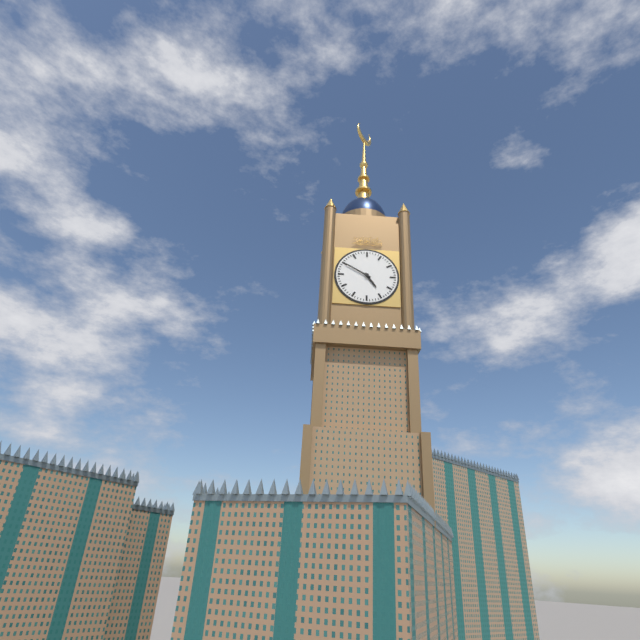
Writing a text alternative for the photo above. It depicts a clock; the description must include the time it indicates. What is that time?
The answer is 4:50
